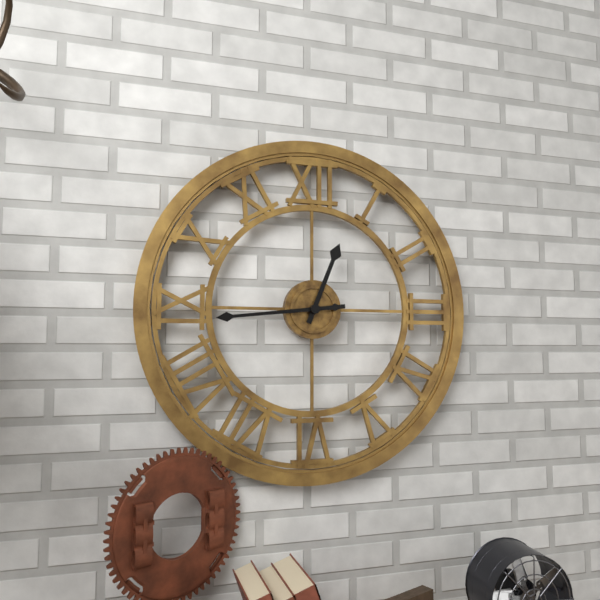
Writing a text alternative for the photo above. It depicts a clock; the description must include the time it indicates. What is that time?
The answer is 12:44
